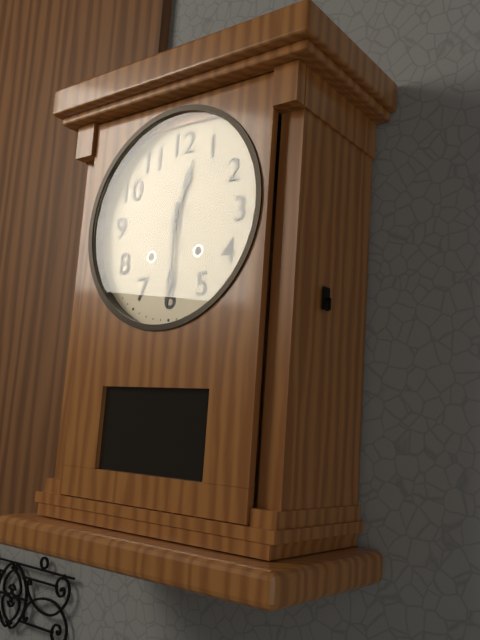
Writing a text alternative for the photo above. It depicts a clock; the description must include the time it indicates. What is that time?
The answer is 12:30
